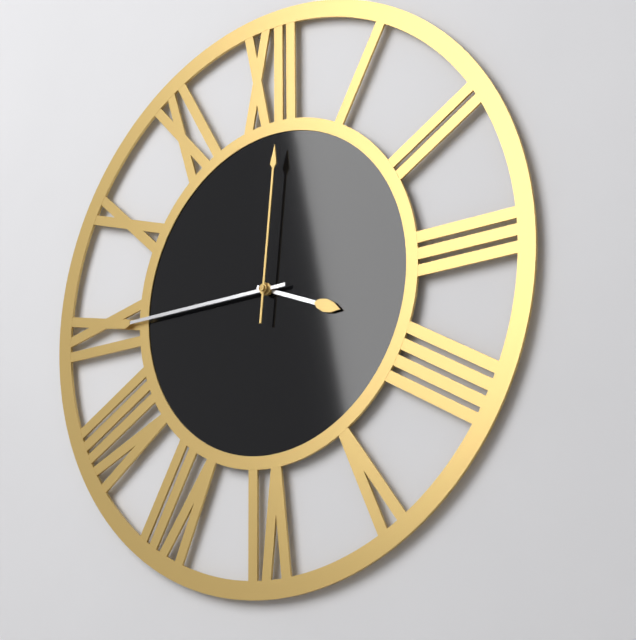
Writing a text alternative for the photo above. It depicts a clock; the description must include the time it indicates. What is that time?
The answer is 3:45:01
